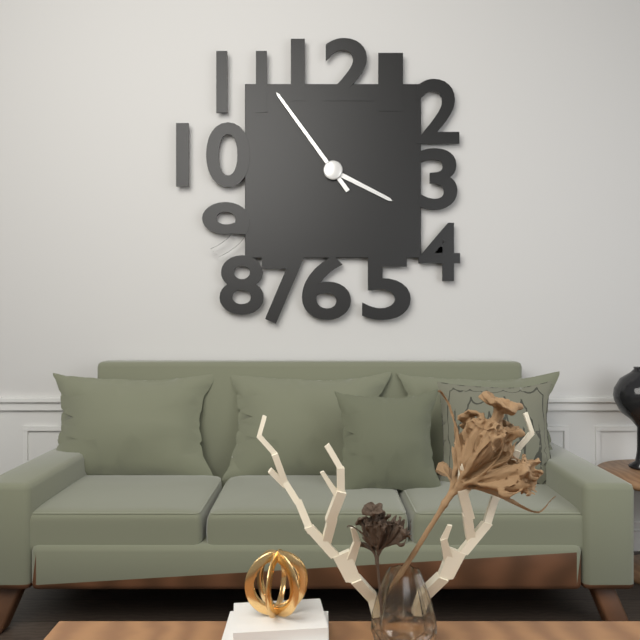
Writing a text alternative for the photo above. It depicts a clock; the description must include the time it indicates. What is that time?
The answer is 3:54
